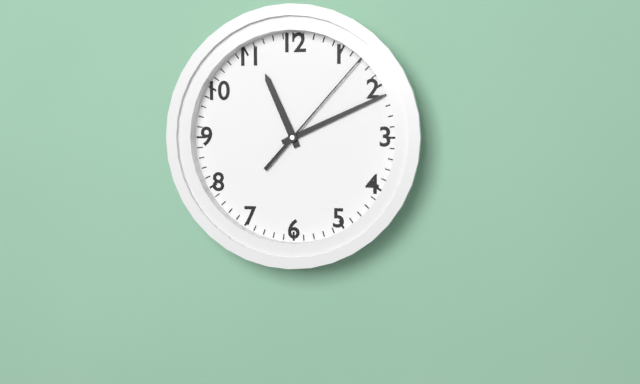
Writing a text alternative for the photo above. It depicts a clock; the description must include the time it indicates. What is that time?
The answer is 11:11:07
